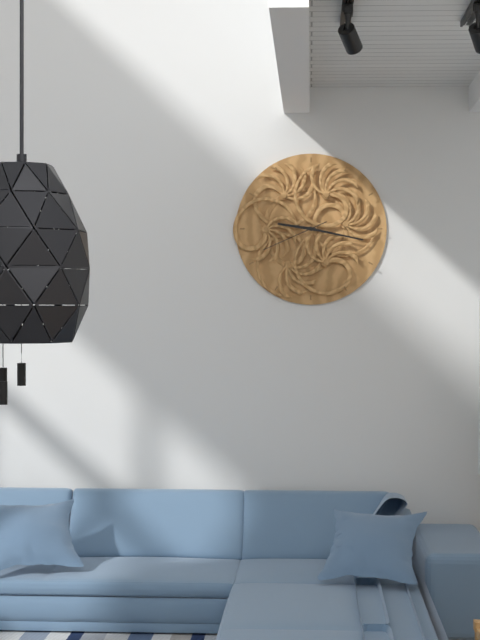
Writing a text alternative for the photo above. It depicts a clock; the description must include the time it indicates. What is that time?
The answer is 9:17:41
